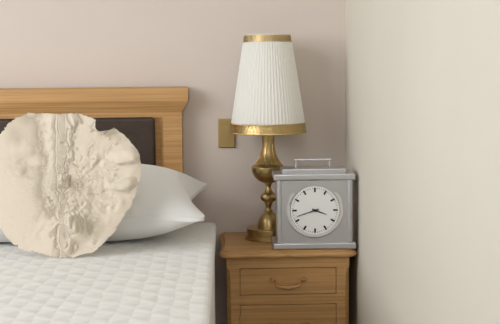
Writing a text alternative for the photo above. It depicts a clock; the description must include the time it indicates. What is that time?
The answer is 3:42
